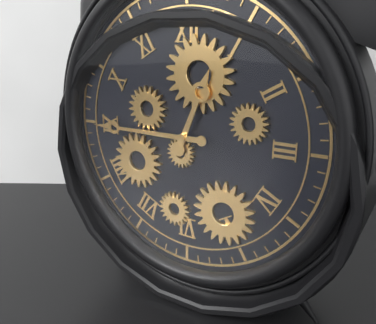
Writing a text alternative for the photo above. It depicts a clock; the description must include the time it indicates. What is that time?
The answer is 12:45
